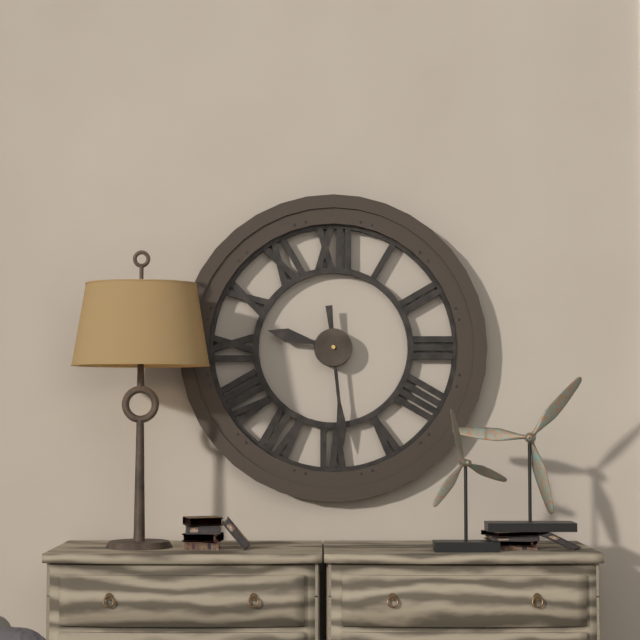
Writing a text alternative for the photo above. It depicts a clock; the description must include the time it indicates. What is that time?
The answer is 9:29
